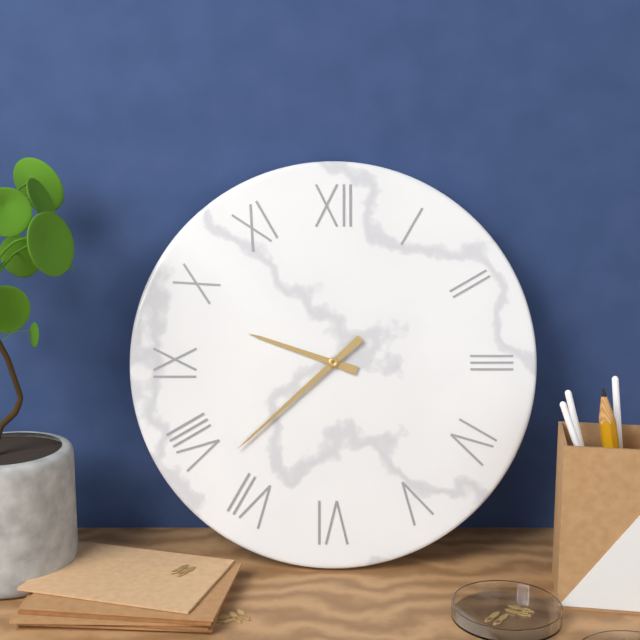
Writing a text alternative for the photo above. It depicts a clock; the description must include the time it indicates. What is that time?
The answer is 9:38
